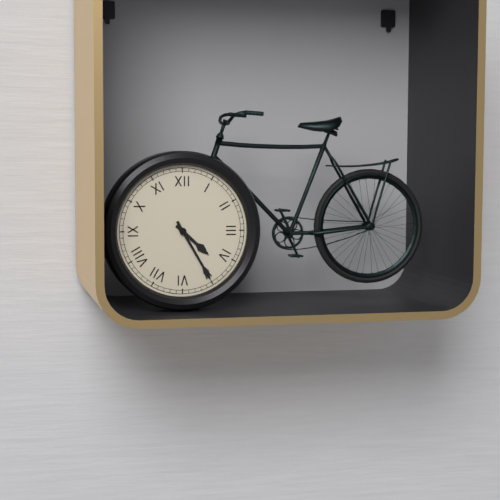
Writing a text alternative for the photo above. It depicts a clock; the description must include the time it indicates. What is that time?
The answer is 4:25
